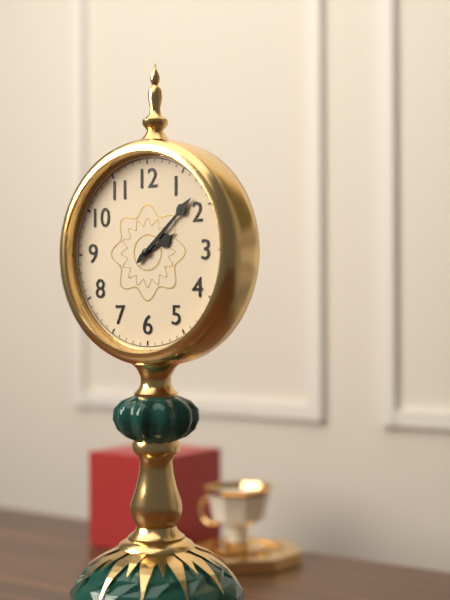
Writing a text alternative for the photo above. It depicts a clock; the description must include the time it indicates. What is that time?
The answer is 2:08
